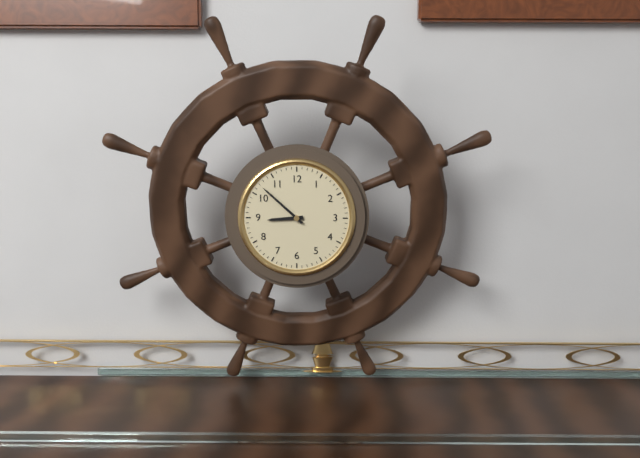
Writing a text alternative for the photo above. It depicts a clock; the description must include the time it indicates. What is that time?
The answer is 8:52
